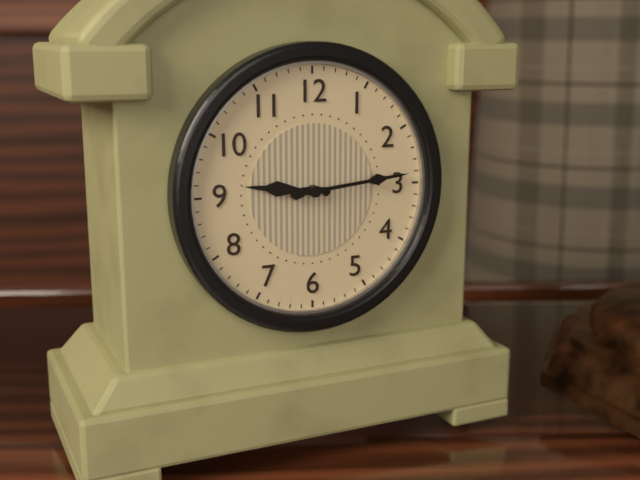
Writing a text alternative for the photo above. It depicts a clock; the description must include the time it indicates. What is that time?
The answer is 9:14
